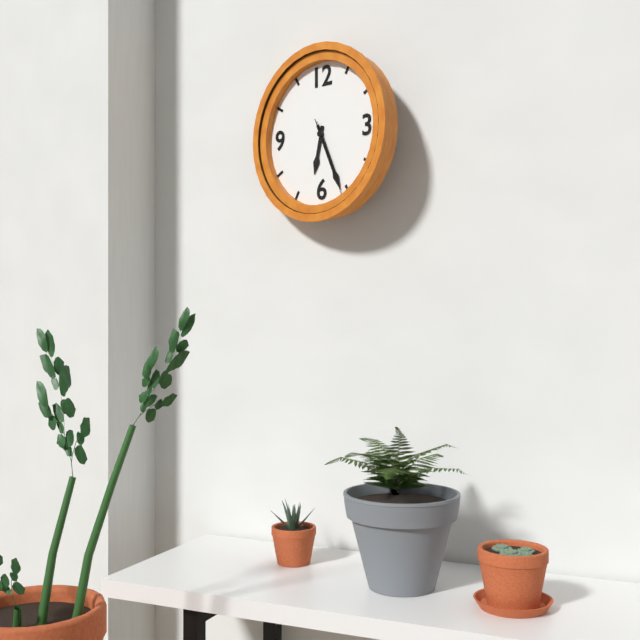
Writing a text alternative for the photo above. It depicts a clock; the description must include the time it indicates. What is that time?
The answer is 6:26:26
